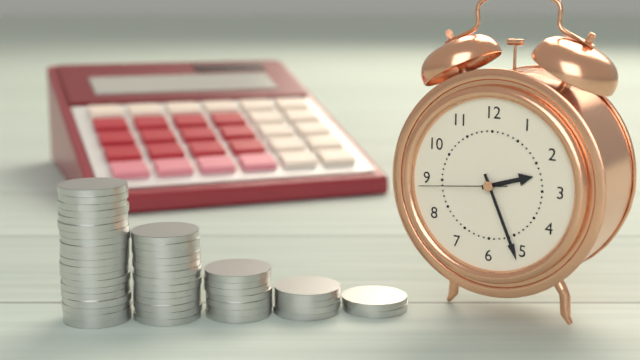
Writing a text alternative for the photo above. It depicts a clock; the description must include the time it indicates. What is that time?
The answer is 2:26:44
